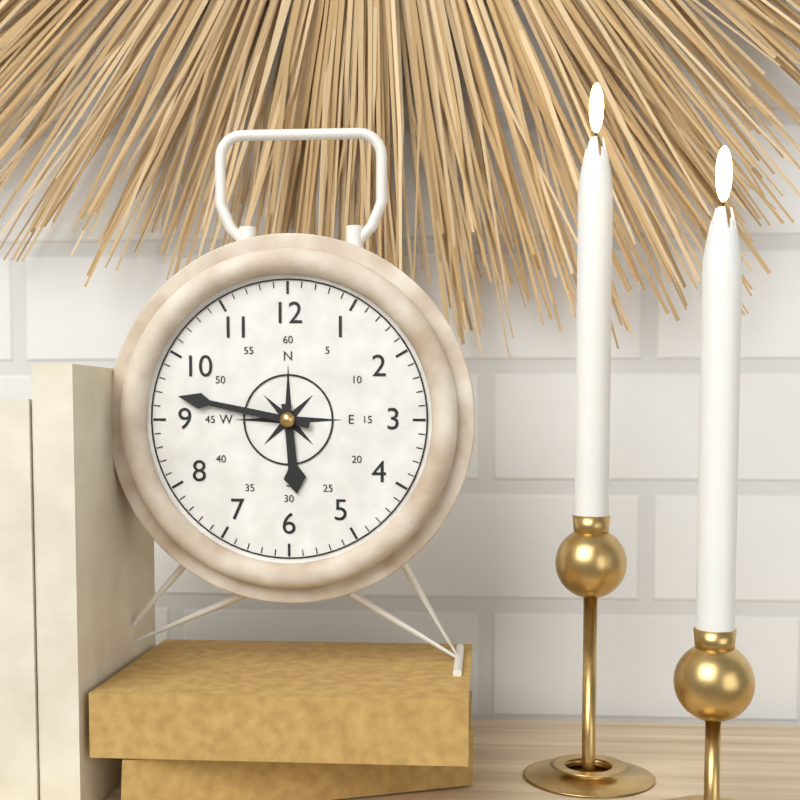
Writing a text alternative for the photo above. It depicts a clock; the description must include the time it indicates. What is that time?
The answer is 5:47
